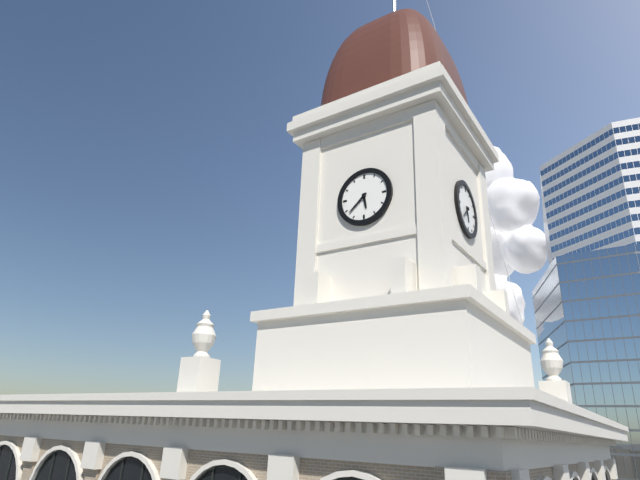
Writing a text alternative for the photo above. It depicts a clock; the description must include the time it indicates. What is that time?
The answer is 5:38
